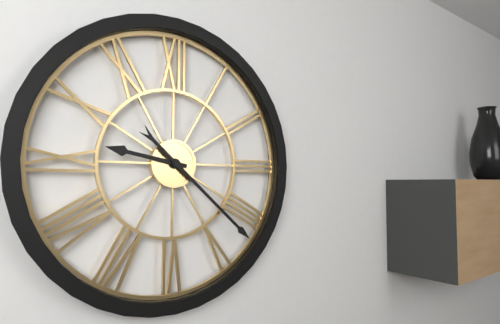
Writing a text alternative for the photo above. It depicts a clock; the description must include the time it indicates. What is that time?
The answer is 9:22
